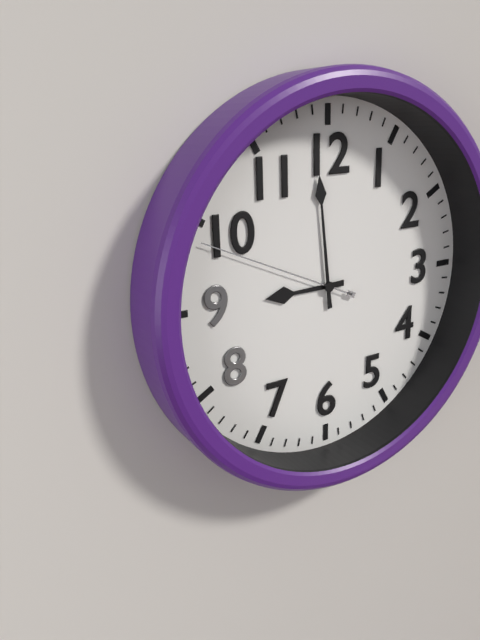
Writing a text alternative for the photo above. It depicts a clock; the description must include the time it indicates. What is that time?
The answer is 8:59:49
